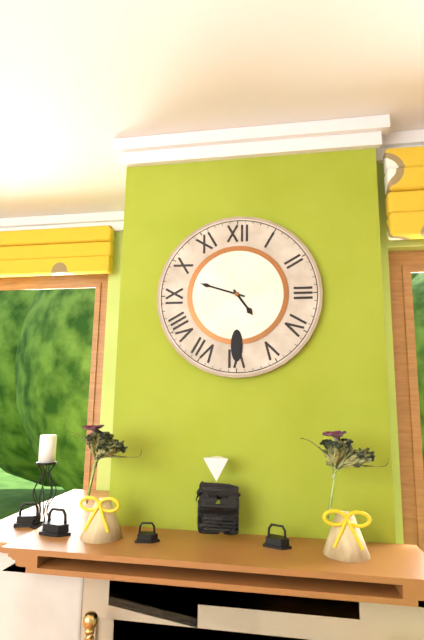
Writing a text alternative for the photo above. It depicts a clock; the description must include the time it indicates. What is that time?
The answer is 4:48
